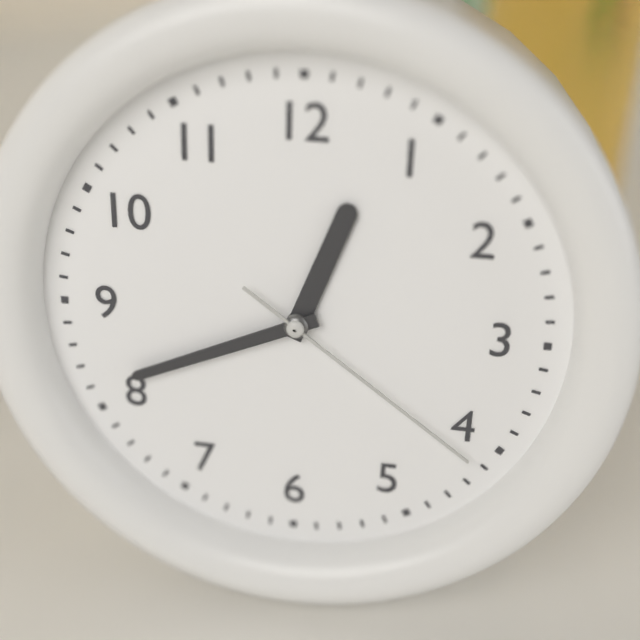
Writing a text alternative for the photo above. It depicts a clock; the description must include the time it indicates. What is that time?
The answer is 12:41:21
